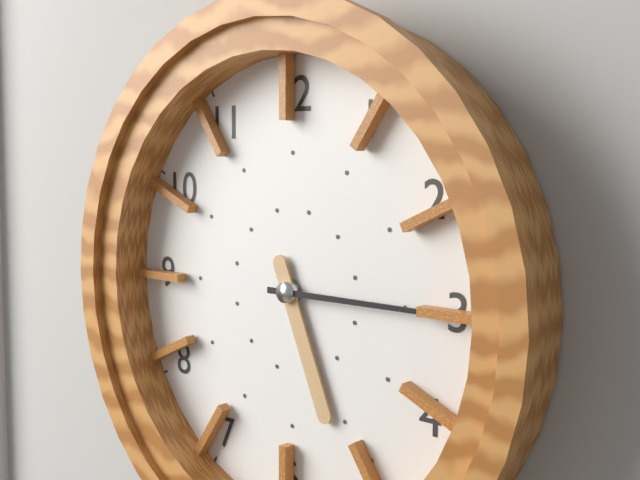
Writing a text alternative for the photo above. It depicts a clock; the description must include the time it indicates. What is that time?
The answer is 5:15
